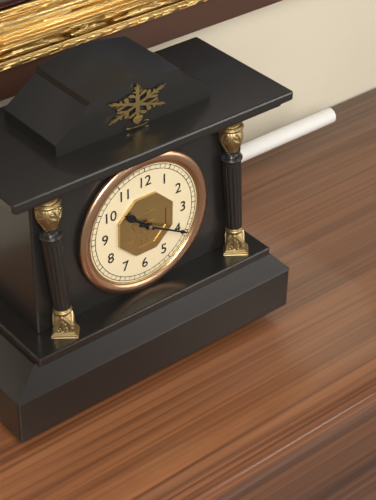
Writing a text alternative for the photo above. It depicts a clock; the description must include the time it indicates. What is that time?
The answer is 10:20
